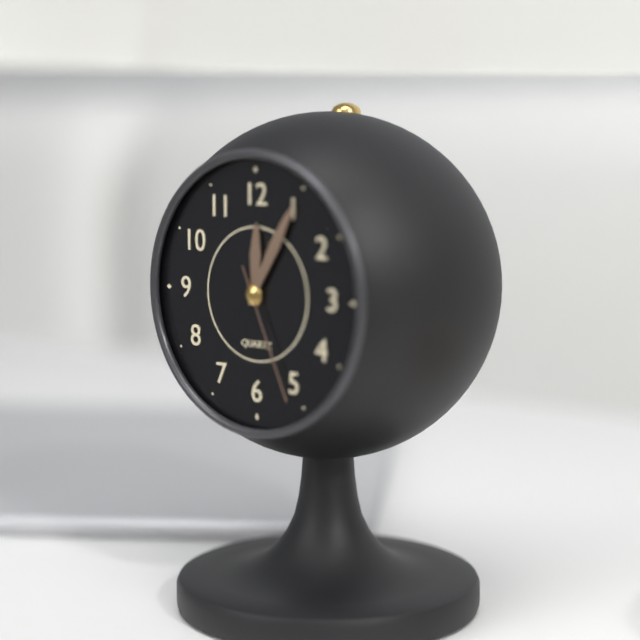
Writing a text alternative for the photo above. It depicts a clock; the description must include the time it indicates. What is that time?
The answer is 12:05:26
